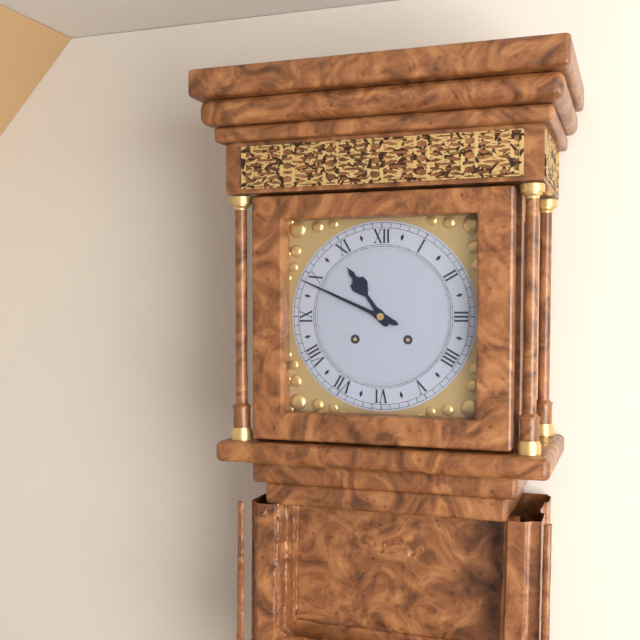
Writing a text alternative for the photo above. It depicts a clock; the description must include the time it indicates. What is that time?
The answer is 10:49
